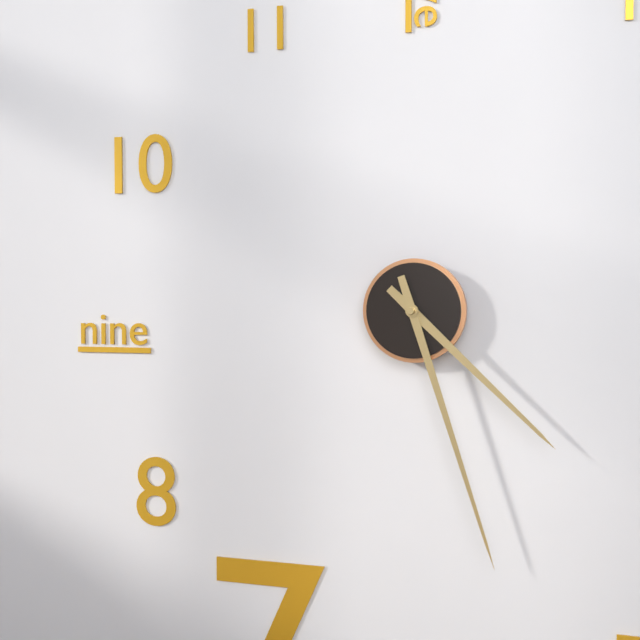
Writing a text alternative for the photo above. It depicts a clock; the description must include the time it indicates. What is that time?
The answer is 4:27
